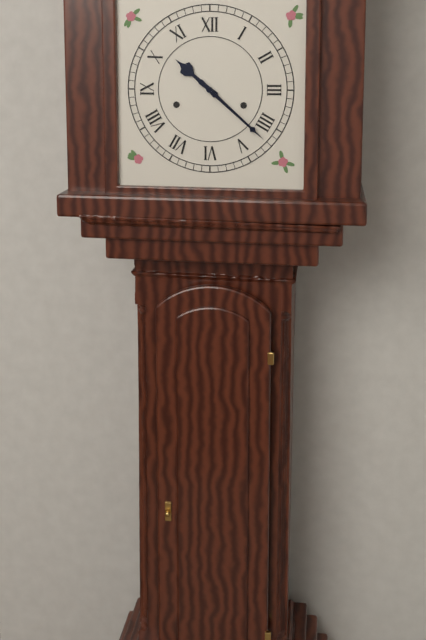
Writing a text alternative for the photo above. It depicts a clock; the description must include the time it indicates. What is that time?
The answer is 10:22
